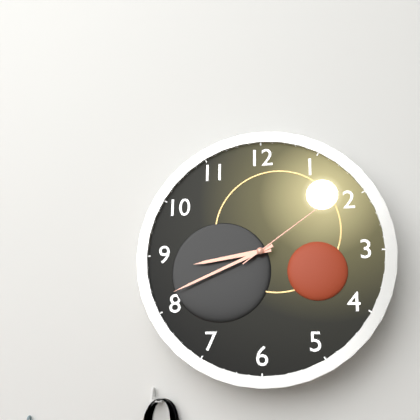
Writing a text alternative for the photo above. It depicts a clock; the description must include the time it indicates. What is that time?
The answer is 8:41:09
